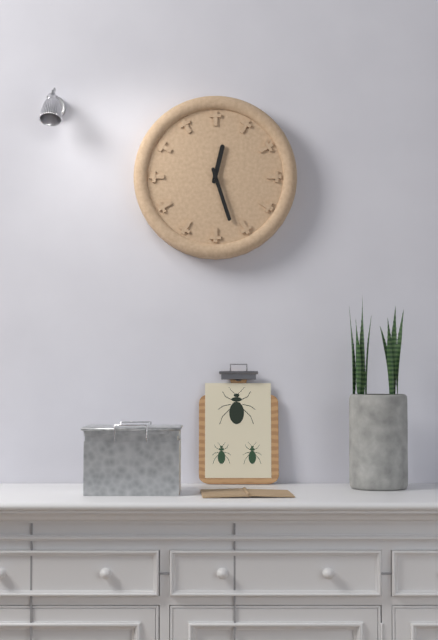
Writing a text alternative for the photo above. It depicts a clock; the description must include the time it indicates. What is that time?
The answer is 12:27
